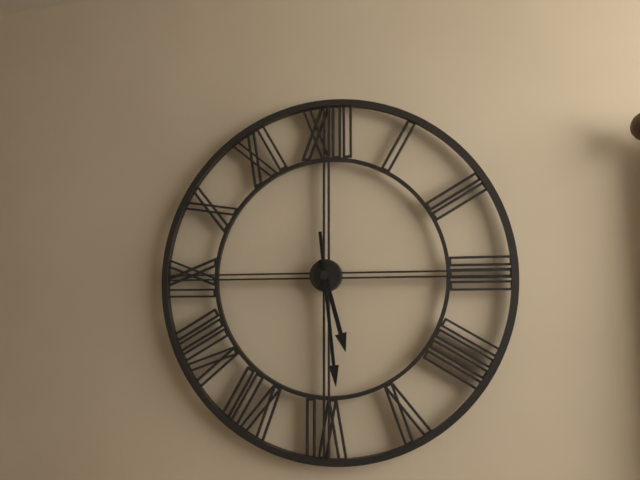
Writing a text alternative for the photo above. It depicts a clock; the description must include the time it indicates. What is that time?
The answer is 5:29
